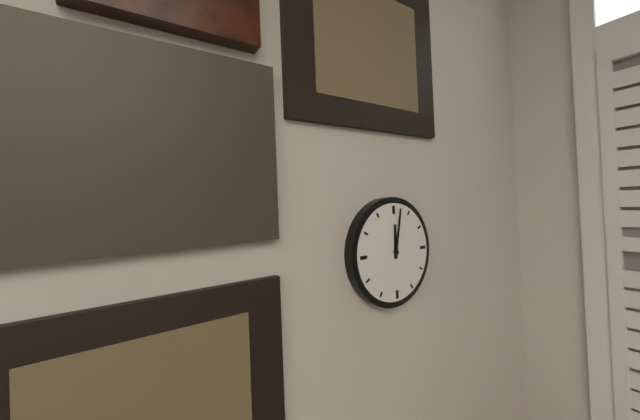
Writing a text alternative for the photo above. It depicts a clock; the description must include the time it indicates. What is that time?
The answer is 12:02
